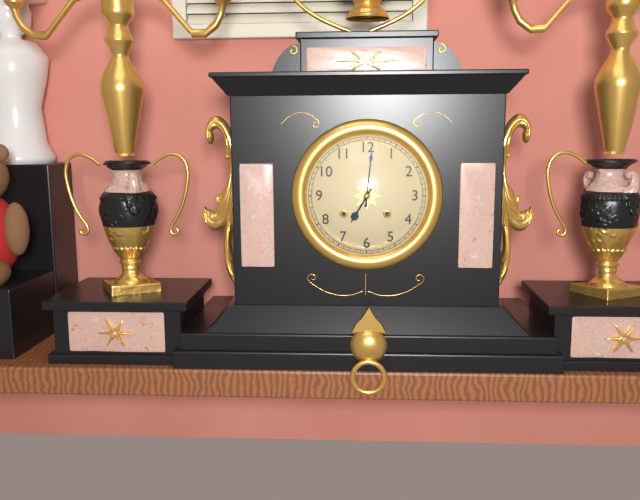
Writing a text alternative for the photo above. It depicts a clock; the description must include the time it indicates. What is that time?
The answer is 7:01
